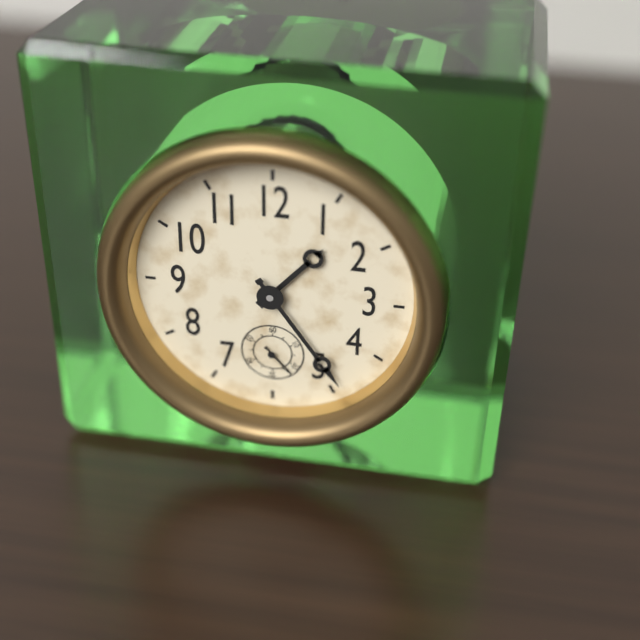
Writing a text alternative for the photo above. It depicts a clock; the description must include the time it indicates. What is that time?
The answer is 1:24
